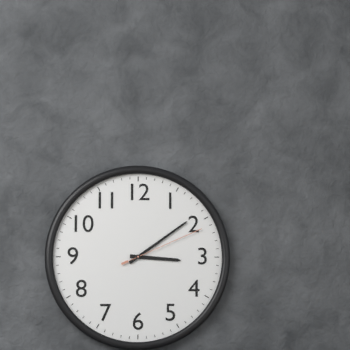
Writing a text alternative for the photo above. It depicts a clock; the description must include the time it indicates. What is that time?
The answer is 3:09:11
